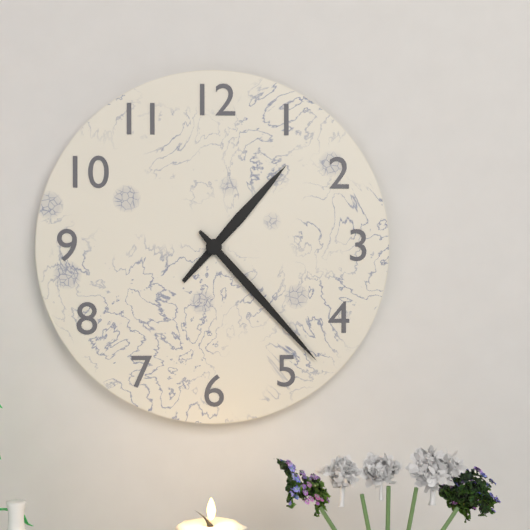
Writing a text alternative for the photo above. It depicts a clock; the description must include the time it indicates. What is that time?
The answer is 1:23
